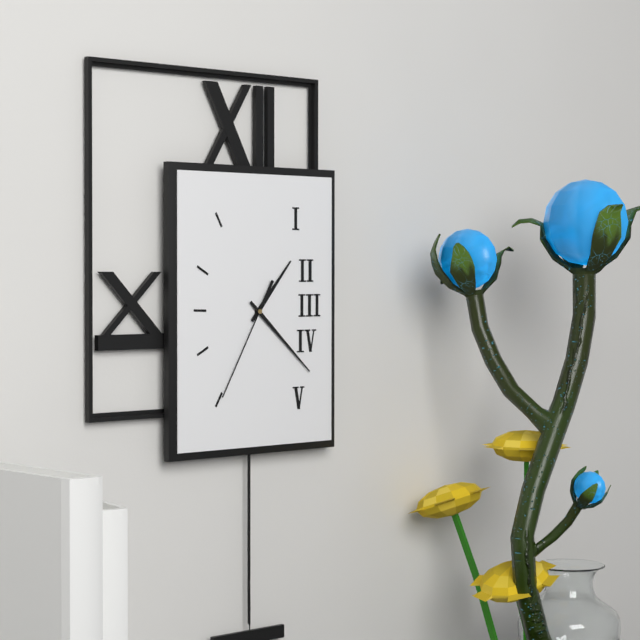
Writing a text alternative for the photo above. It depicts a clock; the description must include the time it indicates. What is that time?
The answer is 1:22:35
